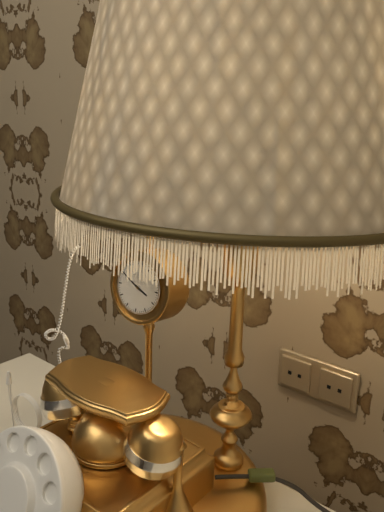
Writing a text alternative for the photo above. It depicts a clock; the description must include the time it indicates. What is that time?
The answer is 3:50
